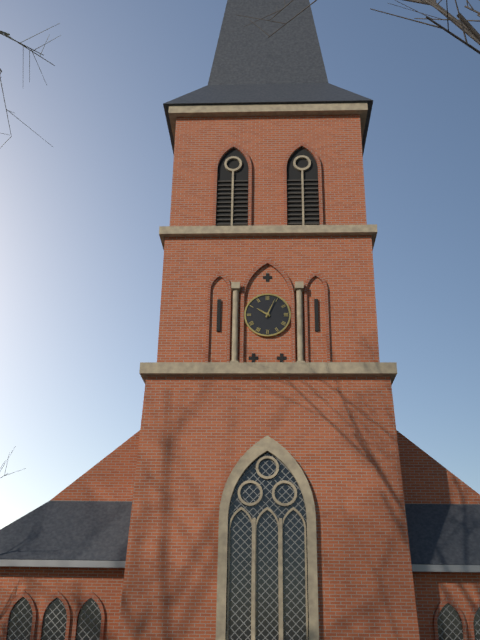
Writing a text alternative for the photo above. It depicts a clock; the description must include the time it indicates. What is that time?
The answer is 10:04
